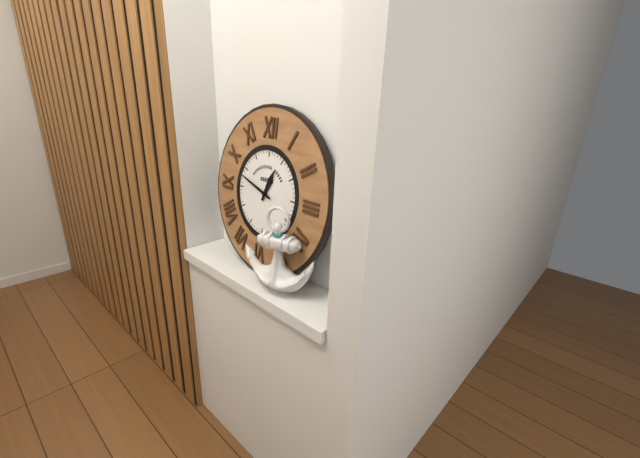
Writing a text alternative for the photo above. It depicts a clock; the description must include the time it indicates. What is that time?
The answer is 12:48
